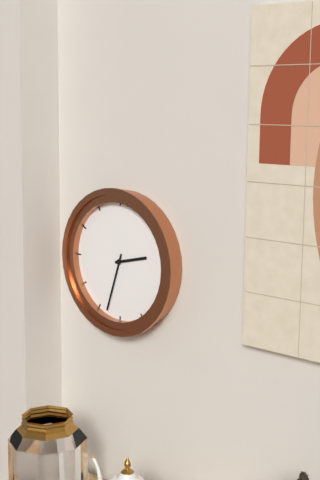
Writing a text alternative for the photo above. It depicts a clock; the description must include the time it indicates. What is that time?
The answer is 2:33
